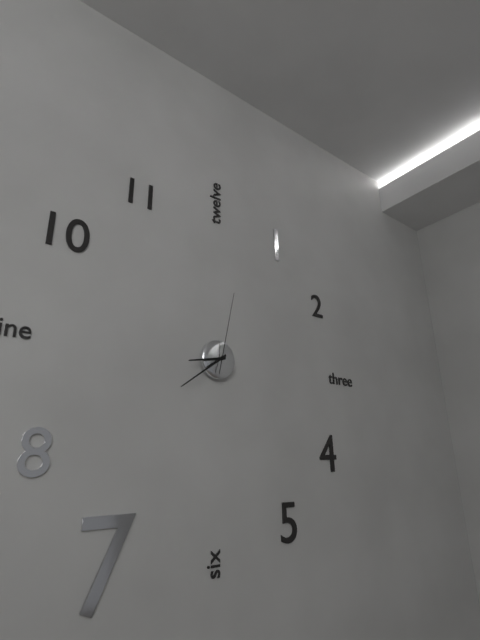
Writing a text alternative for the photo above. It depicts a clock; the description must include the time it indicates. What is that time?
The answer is 8:39:02
